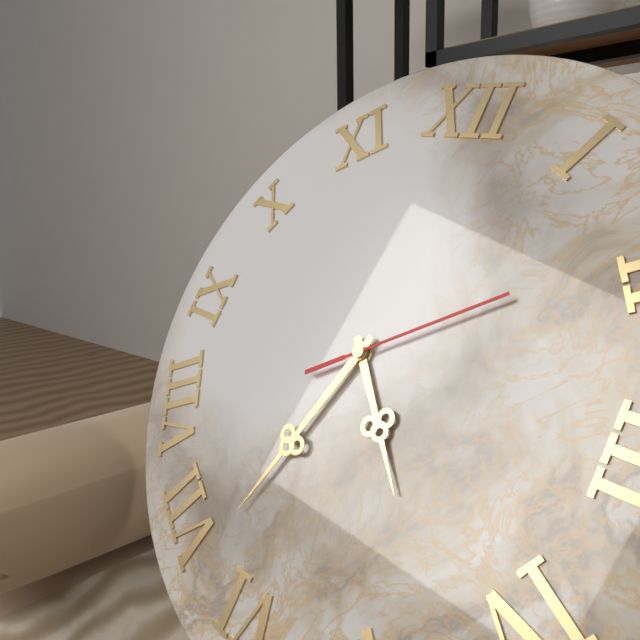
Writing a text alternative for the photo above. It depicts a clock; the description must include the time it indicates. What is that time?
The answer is 4:33:09
